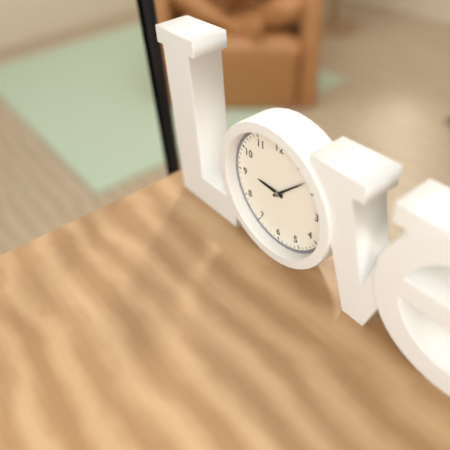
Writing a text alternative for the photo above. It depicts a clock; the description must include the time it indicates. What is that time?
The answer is 9:08
